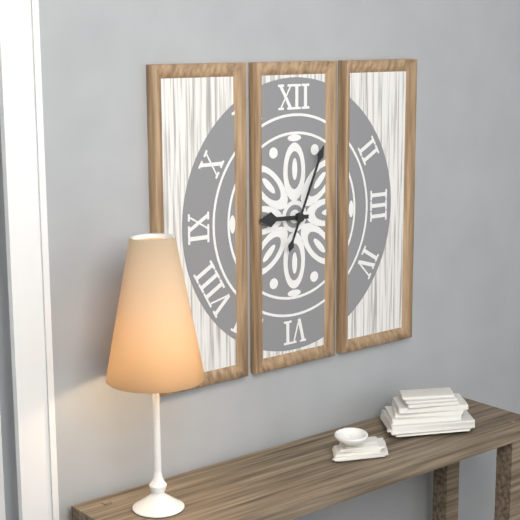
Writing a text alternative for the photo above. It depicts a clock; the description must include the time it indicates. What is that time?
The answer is 9:04
